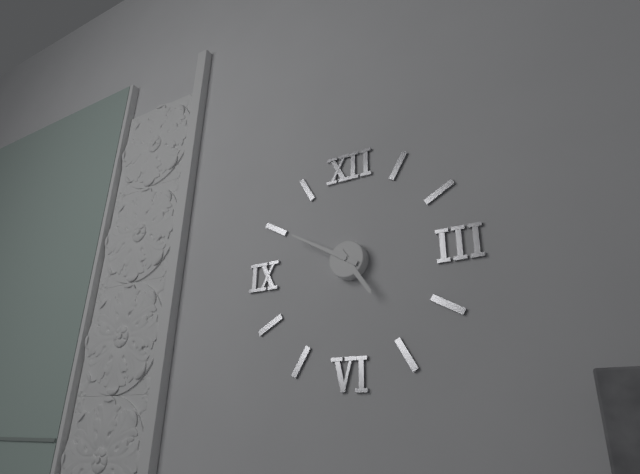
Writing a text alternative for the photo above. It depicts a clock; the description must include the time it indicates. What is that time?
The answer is 4:50
